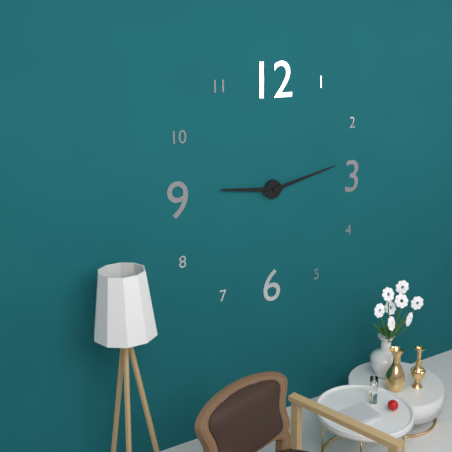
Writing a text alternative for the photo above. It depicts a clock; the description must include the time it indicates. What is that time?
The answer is 9:13
